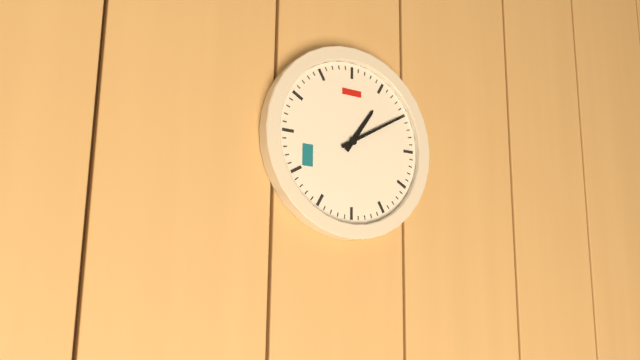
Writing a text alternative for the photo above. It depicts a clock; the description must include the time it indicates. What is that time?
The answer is 1:10
